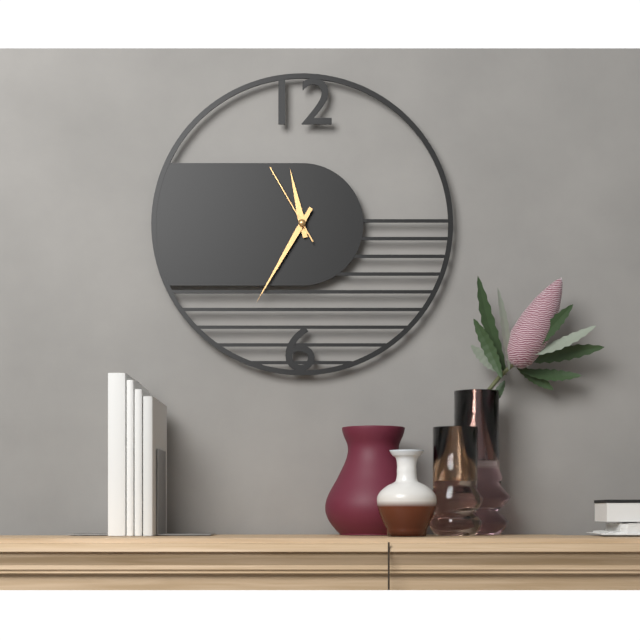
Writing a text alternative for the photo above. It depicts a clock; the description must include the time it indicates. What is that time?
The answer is 11:35:55
